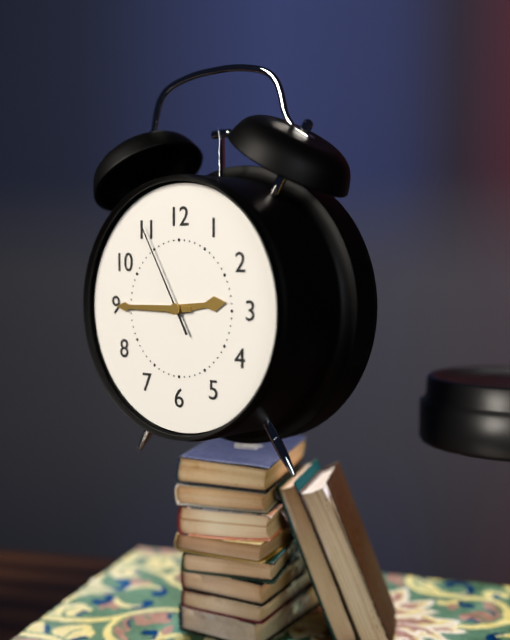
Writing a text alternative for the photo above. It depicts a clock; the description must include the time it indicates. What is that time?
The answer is 2:45:55
